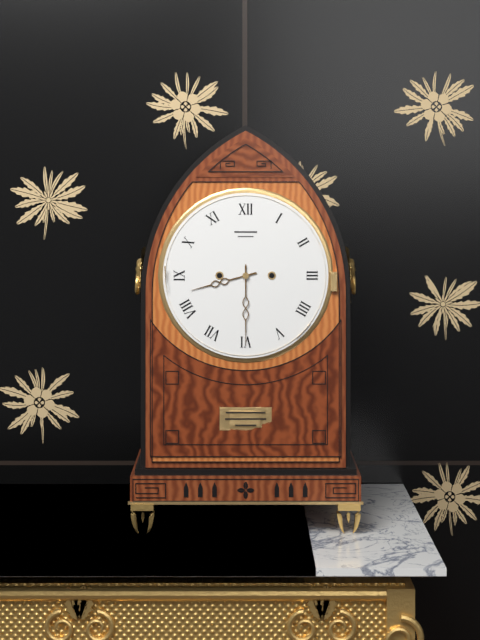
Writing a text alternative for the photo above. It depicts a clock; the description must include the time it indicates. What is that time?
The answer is 8:30
